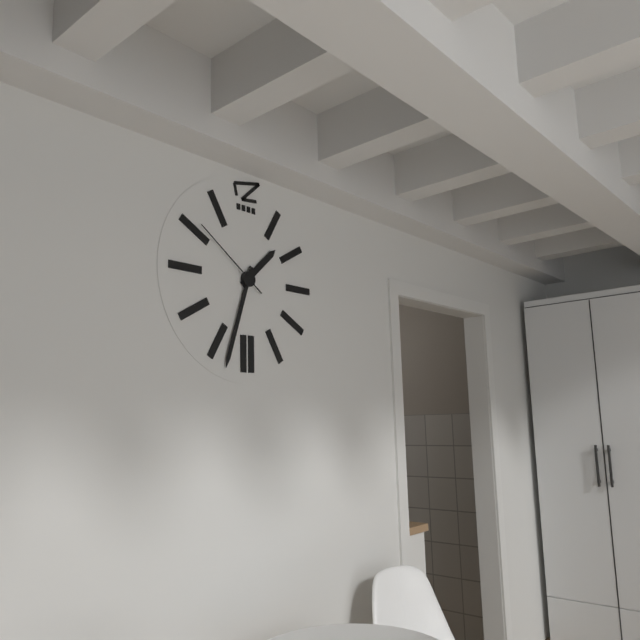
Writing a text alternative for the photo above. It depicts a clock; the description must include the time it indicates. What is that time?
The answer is 1:33:51
